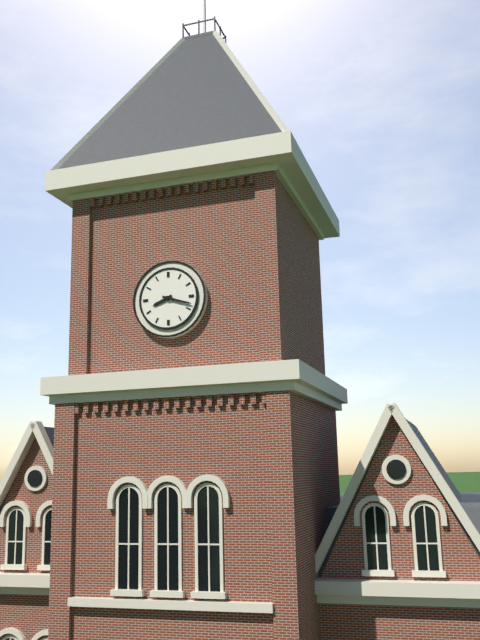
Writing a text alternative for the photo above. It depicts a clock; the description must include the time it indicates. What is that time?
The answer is 8:18
